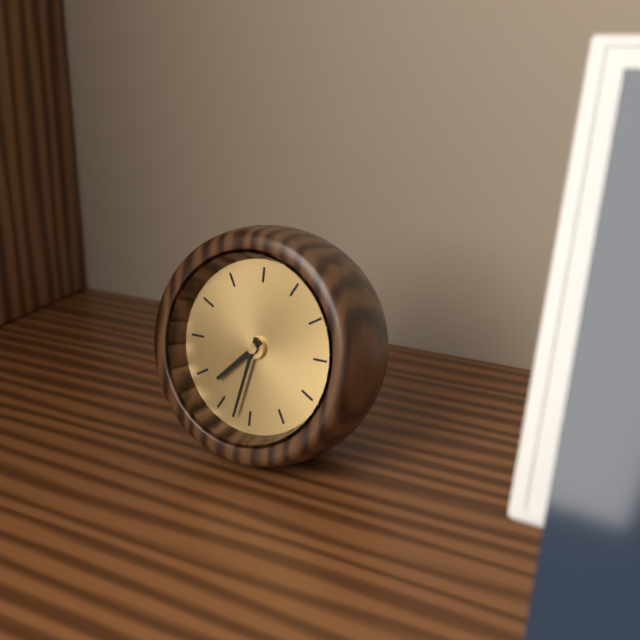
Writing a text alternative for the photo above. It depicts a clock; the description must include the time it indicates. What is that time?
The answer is 7:32
